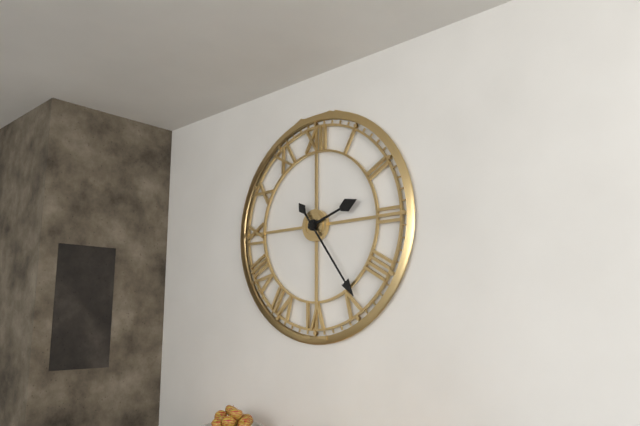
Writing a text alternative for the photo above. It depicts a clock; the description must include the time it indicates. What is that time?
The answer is 2:24
